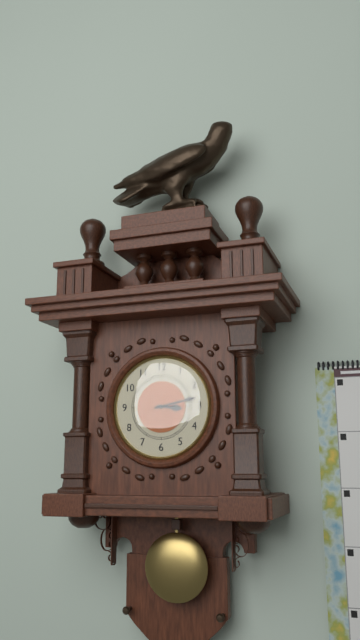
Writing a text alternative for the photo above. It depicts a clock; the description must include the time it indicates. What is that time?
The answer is 3:13
